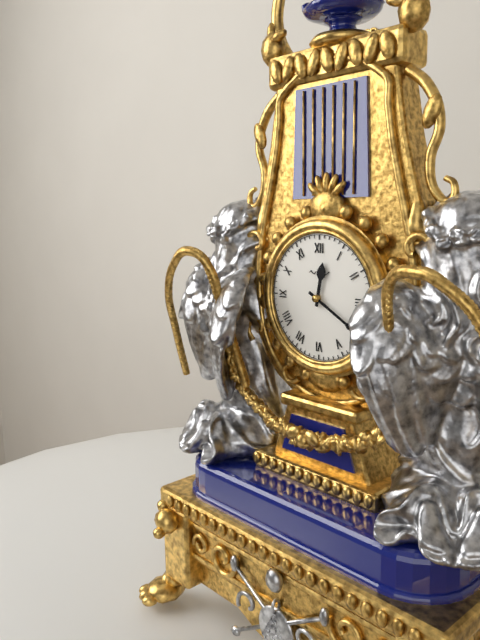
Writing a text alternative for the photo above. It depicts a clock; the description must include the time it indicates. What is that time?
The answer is 12:20
